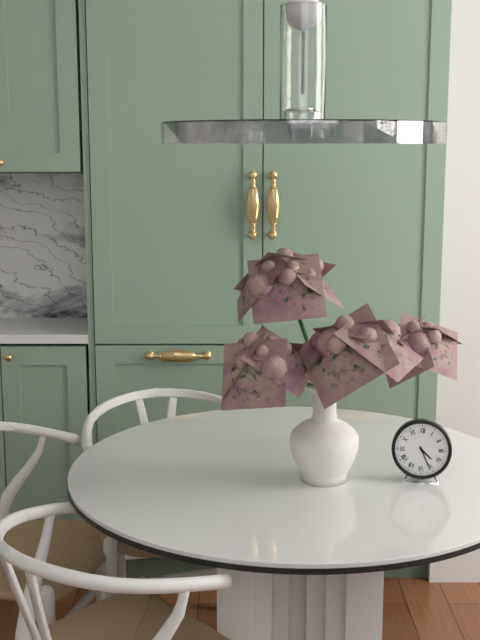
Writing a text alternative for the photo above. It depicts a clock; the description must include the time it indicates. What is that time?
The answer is 4:26
